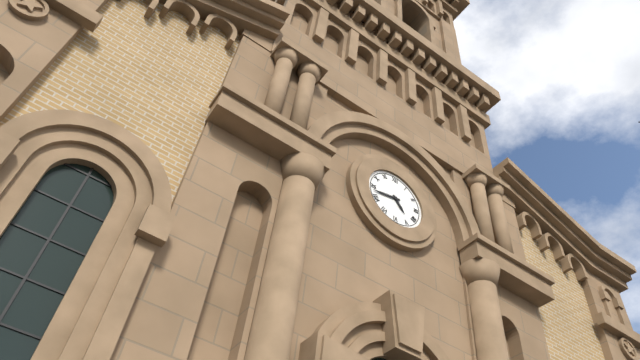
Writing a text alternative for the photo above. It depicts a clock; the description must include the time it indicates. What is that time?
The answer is 4:43
